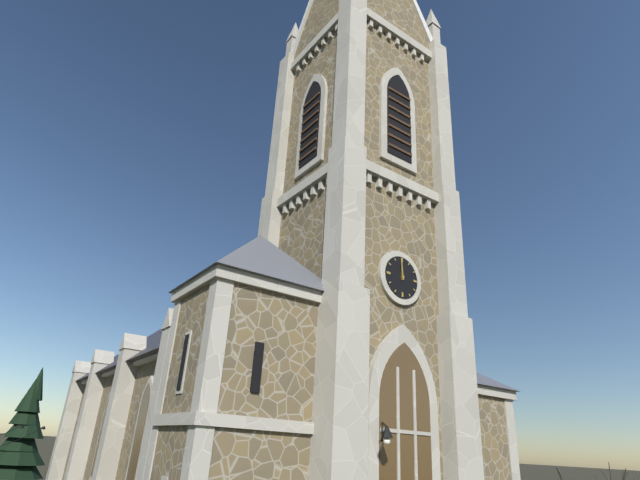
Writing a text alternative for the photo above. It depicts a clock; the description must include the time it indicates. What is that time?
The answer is 11:59
